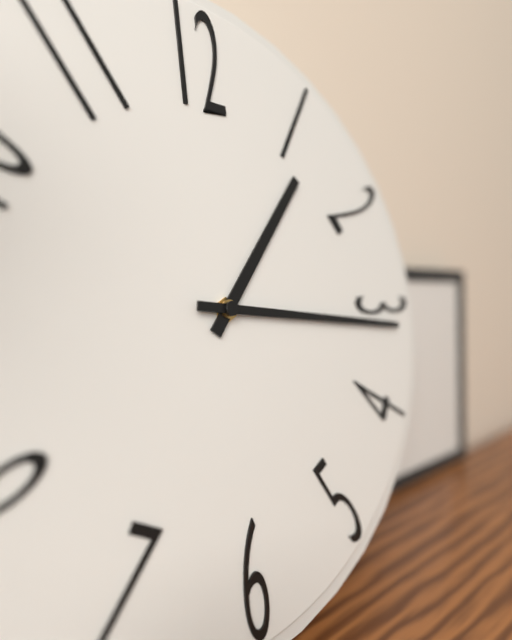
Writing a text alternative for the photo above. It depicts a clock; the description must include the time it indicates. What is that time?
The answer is 1:16
